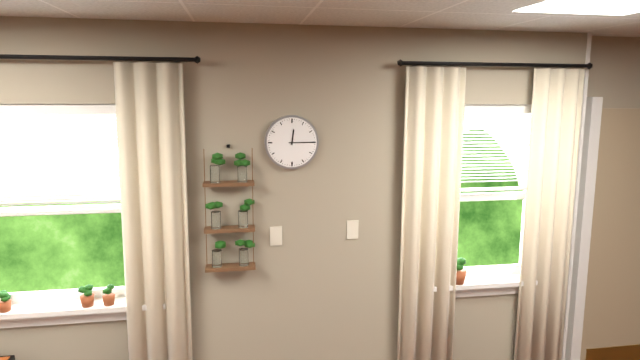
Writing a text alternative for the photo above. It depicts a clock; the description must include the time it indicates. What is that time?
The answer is 12:15
